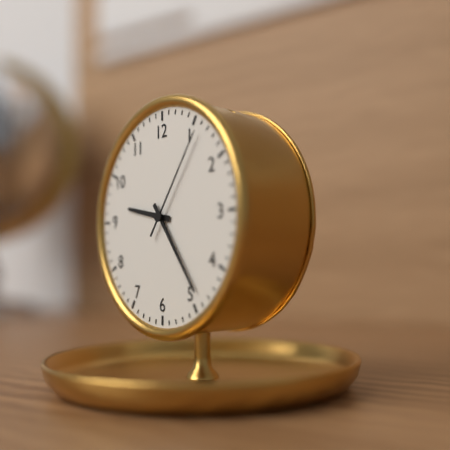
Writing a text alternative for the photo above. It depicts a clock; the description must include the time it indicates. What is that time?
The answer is 9:24:06
